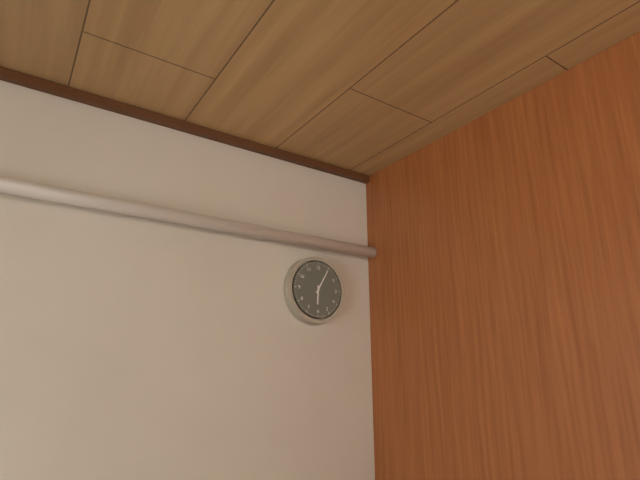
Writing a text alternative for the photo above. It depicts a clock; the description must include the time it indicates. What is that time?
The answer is 6:05
